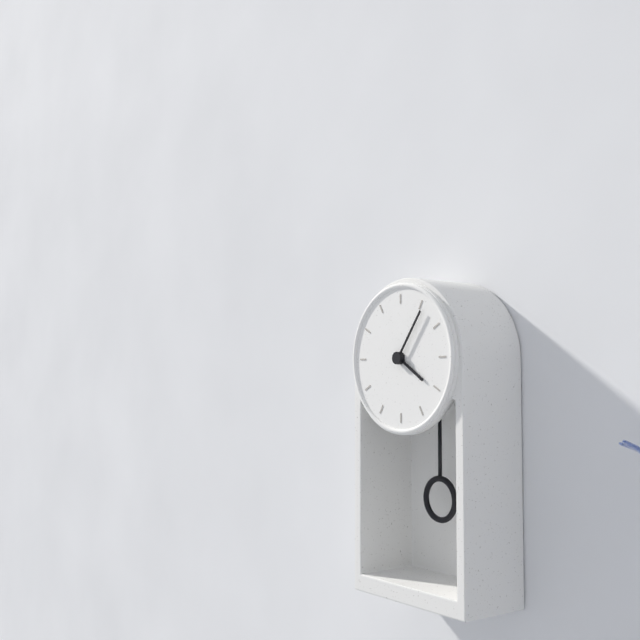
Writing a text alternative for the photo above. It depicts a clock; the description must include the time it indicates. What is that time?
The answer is 4:06
